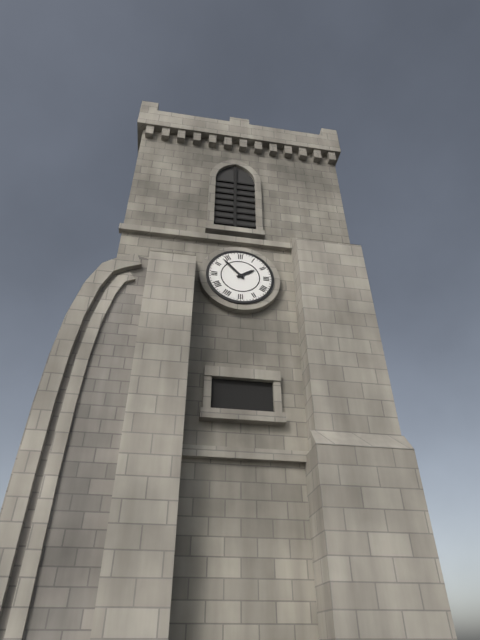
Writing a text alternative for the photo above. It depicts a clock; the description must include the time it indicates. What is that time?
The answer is 1:53
